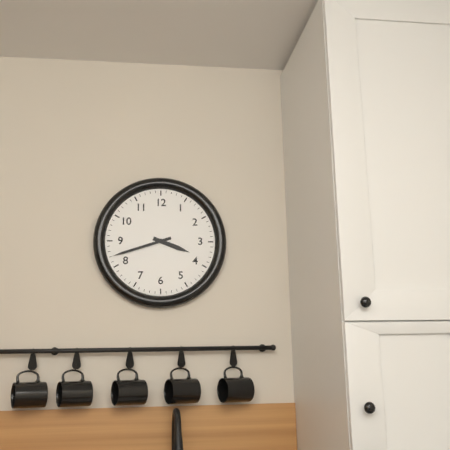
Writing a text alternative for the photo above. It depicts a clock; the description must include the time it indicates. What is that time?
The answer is 3:42
